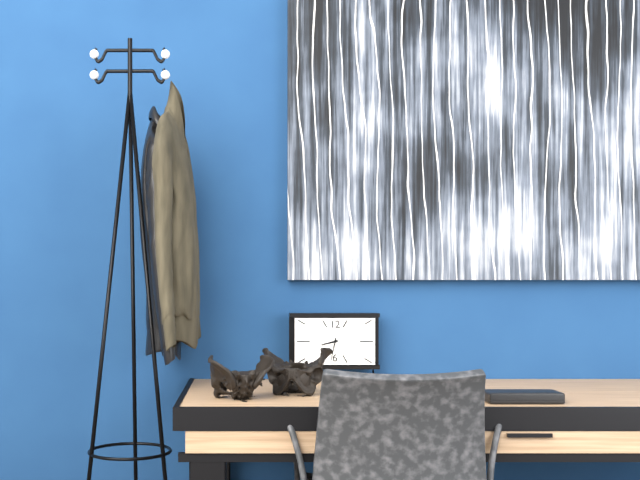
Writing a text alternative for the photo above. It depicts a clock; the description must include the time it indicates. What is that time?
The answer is 8:32
